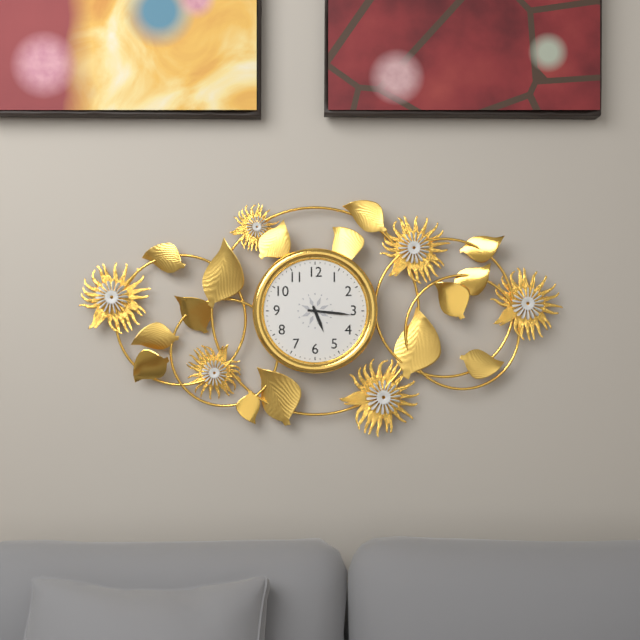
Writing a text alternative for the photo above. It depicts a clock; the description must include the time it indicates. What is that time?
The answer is 5:16
